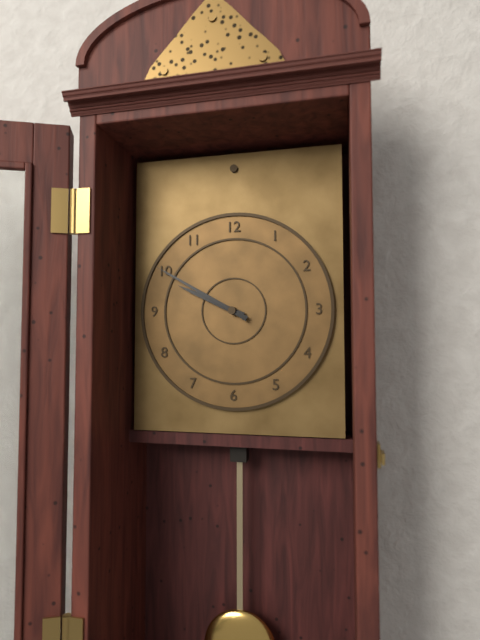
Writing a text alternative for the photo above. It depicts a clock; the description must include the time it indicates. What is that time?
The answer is 9:50
